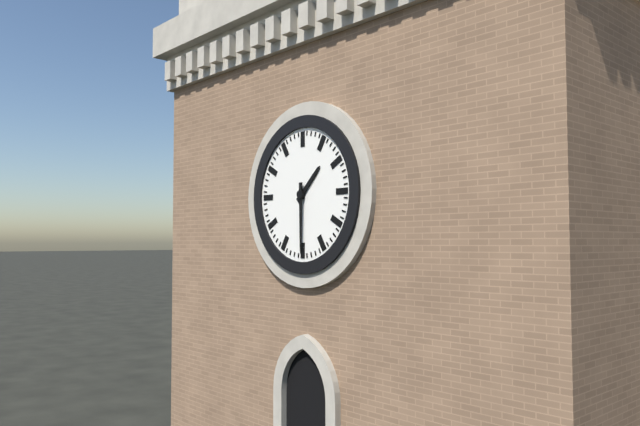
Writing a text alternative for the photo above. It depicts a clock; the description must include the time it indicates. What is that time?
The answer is 1:30
